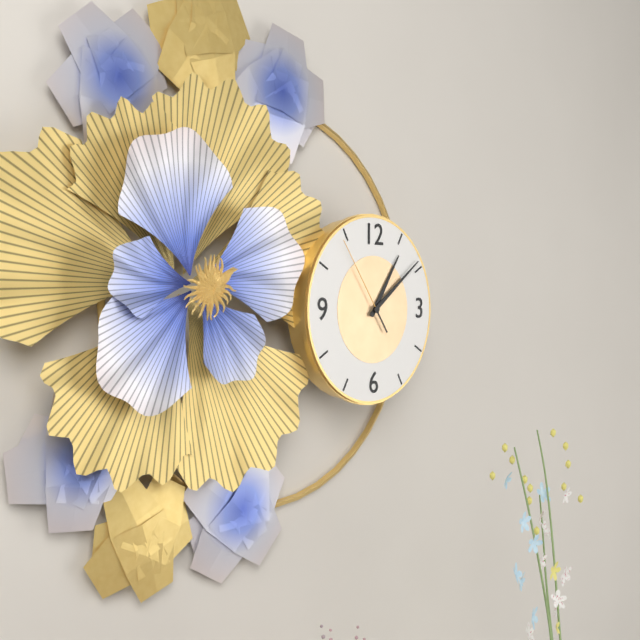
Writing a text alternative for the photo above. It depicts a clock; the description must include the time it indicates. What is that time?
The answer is 1:09:54
